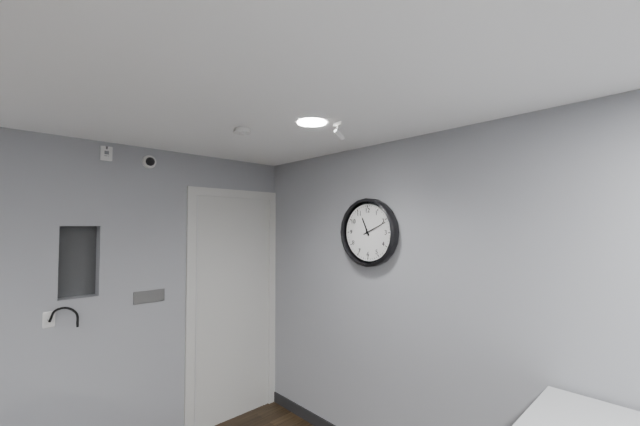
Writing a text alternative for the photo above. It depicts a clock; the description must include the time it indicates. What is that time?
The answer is 11:11
